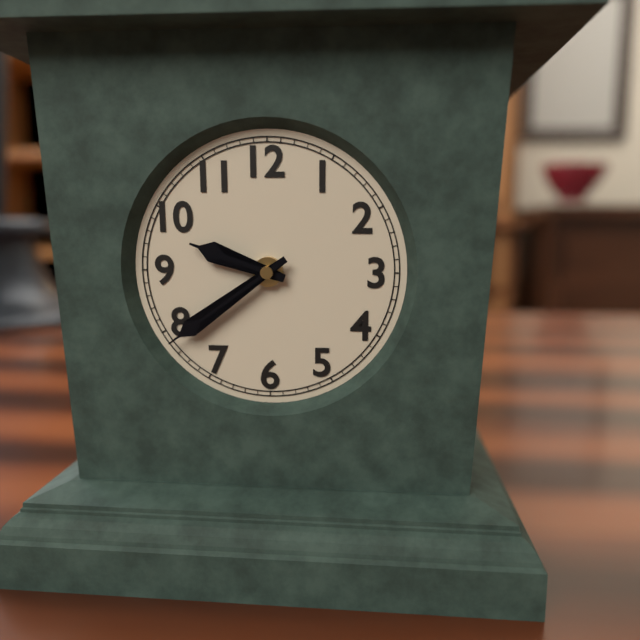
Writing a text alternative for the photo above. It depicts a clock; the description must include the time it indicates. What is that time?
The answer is 9:39
